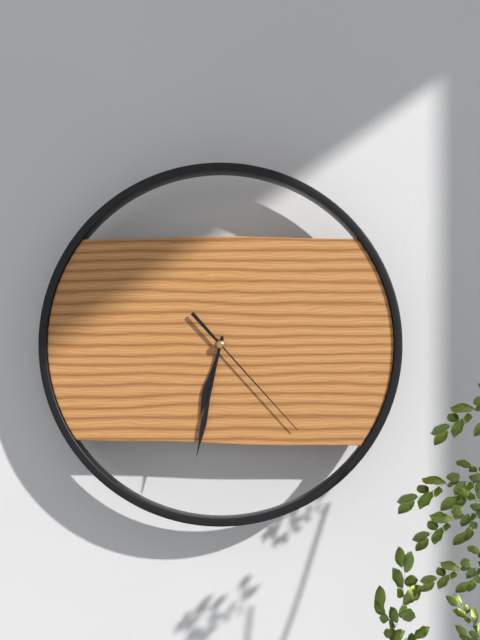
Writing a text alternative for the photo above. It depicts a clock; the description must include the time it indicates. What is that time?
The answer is 6:32:23
